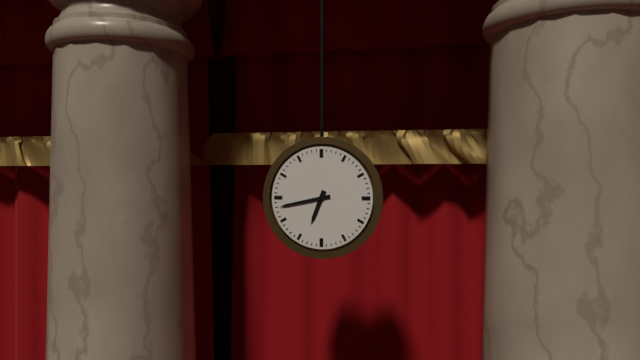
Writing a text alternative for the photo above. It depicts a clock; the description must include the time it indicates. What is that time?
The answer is 6:43
